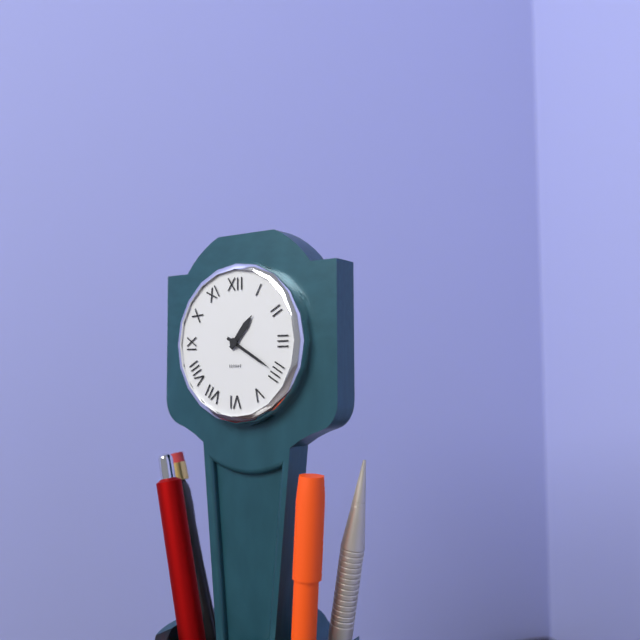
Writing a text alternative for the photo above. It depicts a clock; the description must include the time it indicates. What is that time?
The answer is 1:20
